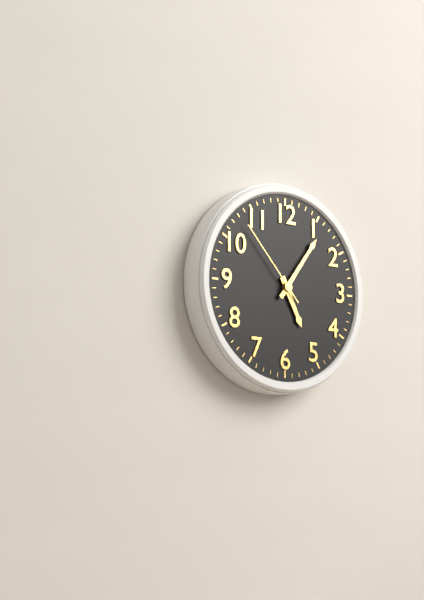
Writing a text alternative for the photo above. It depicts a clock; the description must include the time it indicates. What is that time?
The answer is 5:06:53
